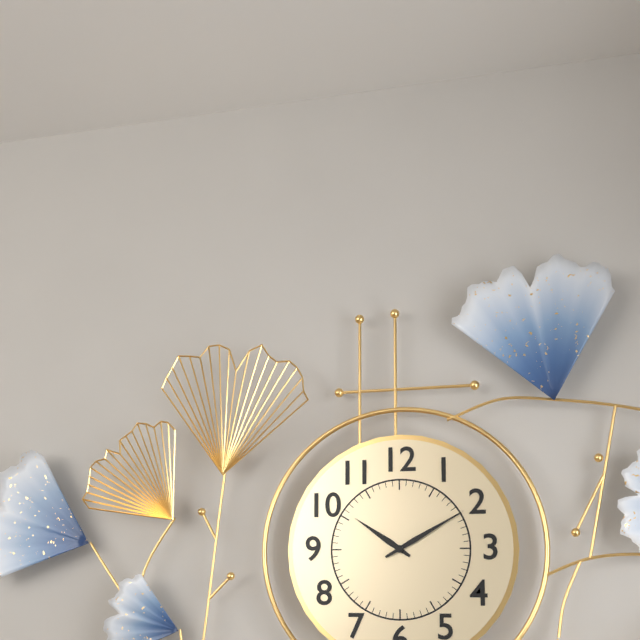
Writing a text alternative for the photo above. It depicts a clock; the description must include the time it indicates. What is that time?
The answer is 10:10
